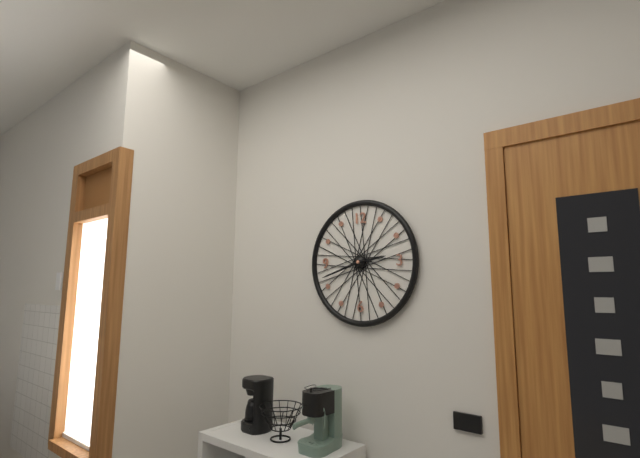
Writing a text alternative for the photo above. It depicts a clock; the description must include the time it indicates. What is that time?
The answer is 2:42
